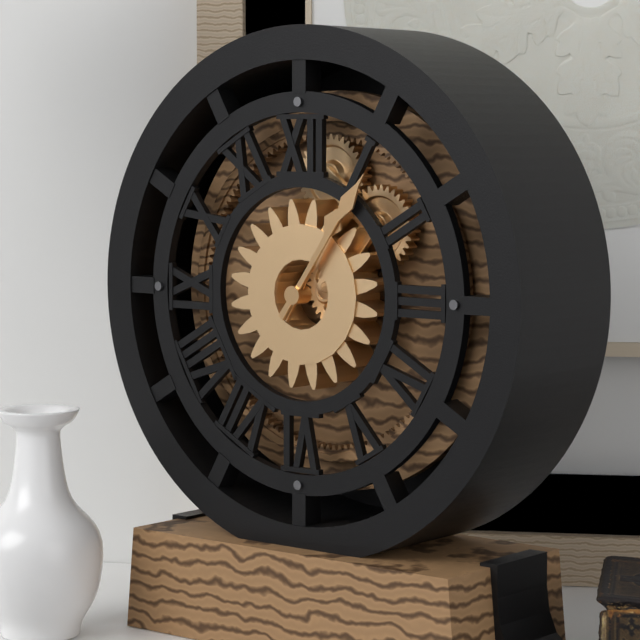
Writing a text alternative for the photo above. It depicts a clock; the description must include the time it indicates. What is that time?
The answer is 1:06
